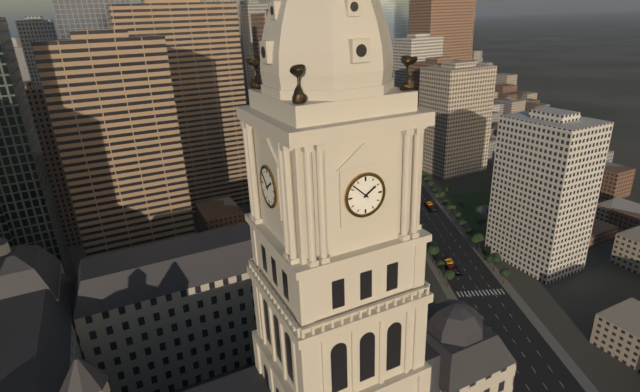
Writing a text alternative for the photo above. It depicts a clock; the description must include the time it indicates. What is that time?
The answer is 1:52
